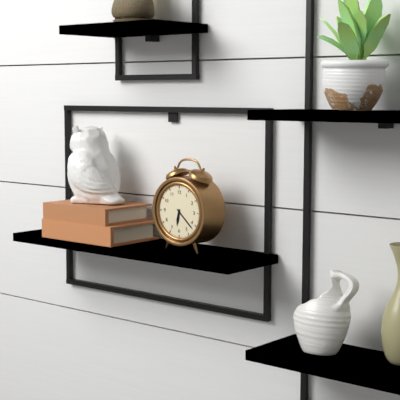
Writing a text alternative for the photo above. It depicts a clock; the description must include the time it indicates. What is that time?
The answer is 6:22
